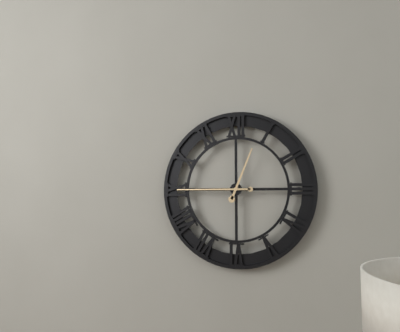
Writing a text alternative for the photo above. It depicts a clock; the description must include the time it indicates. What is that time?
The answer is 12:45
